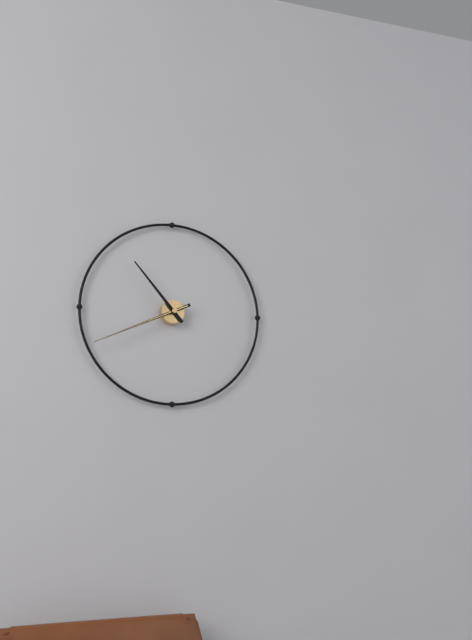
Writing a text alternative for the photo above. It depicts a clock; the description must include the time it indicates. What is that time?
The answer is 10:41:41
